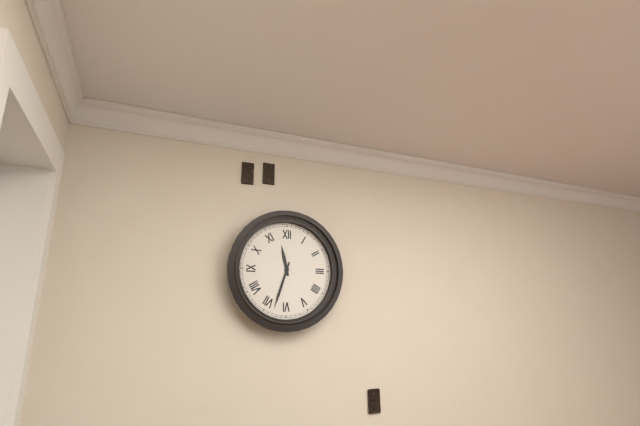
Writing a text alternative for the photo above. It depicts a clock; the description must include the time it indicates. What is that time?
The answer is 11:33
